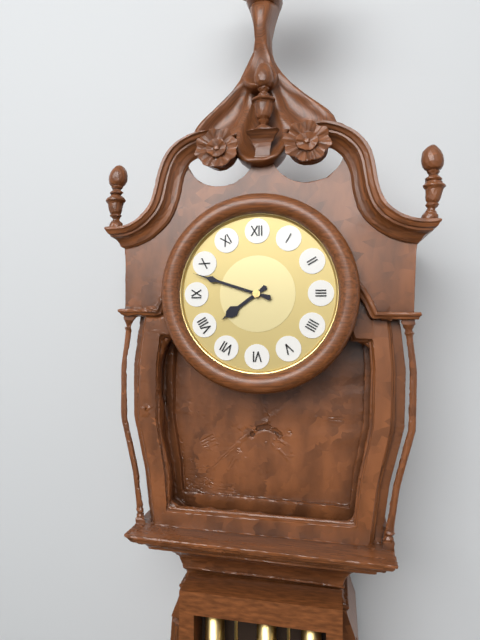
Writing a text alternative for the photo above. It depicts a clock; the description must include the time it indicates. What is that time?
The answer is 7:48
